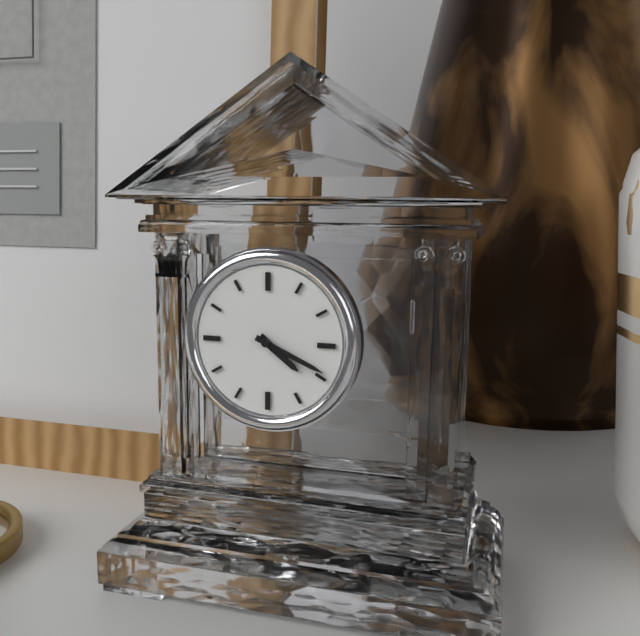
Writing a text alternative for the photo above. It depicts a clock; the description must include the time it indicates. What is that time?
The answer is 4:19
